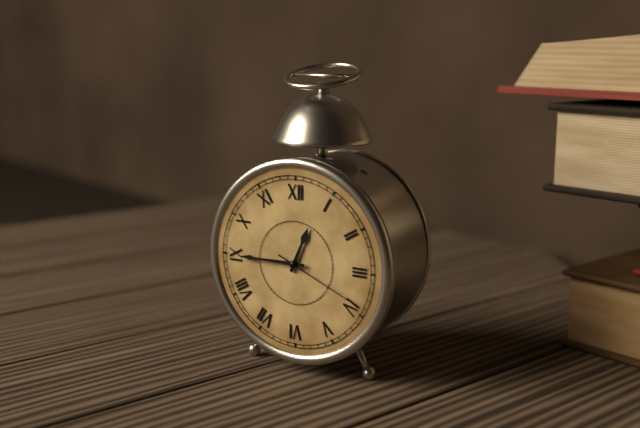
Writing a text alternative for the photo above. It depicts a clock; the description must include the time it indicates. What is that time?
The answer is 12:45:19
